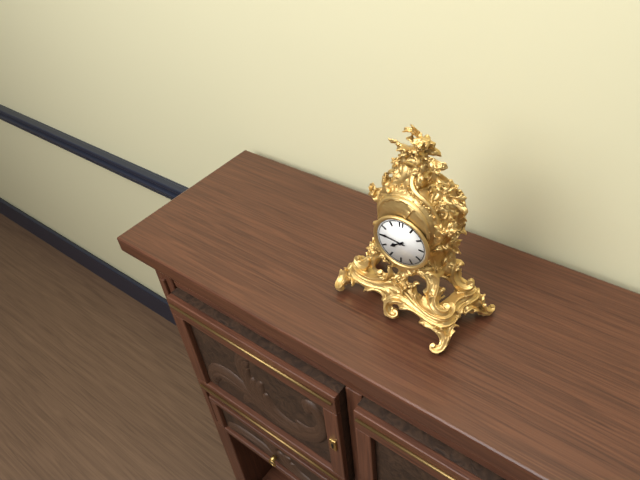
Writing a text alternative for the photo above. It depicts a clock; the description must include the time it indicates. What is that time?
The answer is 7:46
